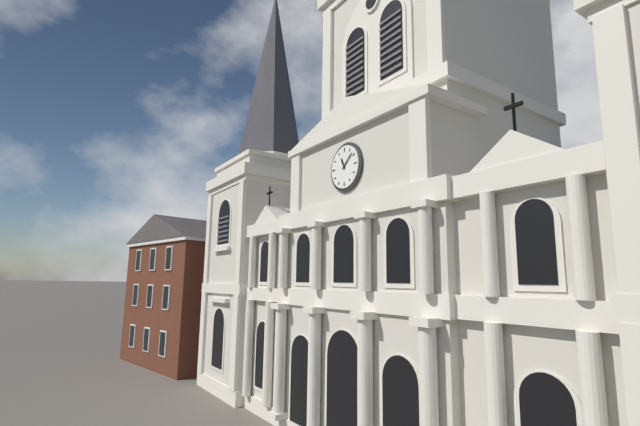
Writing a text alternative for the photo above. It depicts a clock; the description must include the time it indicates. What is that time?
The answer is 11:08
